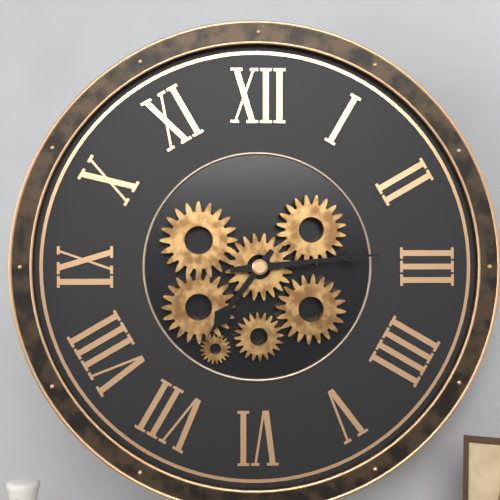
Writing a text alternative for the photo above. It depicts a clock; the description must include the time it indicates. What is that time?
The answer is 7:14
